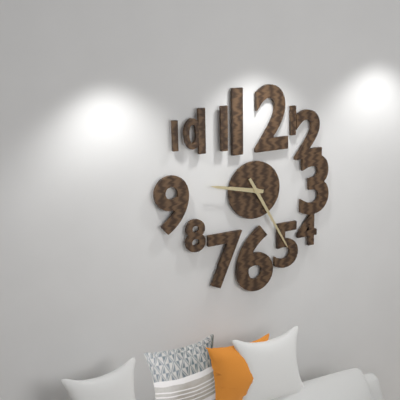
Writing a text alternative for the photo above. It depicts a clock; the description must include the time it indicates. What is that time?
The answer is 9:25
